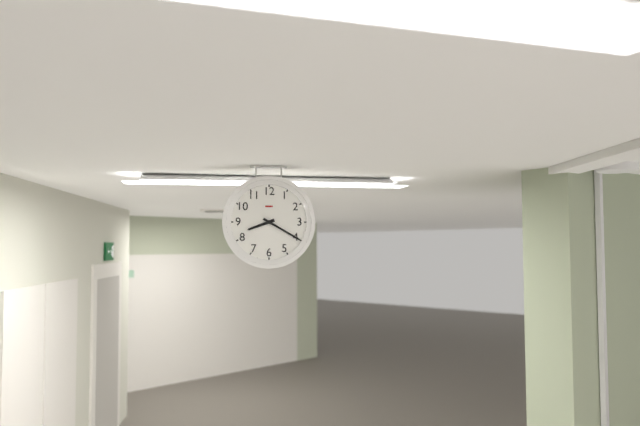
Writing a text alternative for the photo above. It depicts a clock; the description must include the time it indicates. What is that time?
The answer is 8:20
